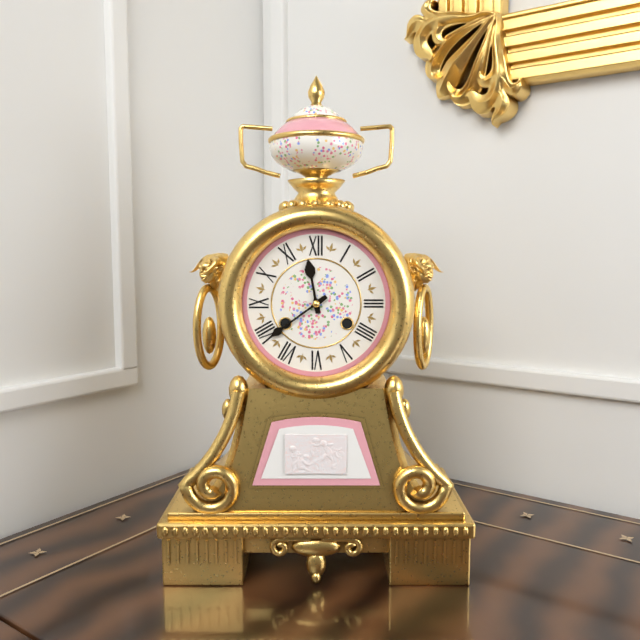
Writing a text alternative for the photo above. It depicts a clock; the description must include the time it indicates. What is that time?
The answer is 11:39
